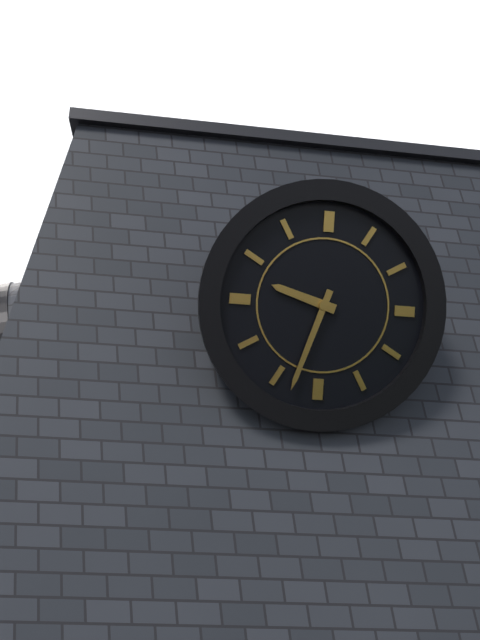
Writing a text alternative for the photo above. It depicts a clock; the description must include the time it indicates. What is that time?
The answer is 9:33
